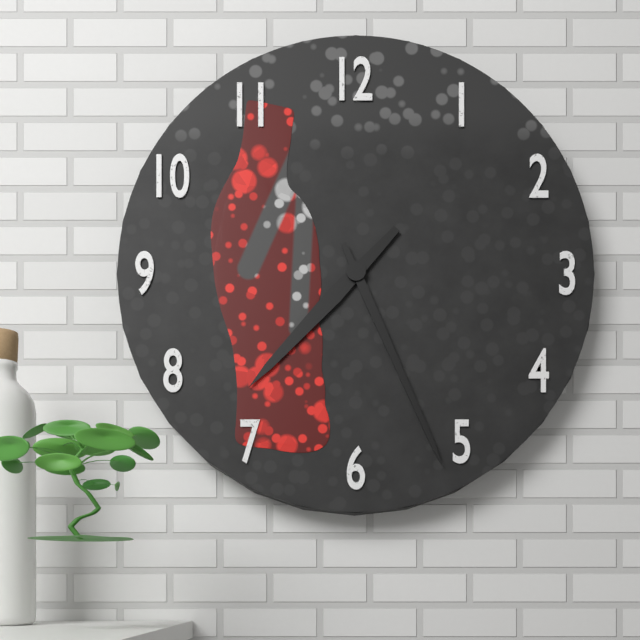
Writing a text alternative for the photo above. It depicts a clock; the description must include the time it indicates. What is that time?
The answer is 7:26
